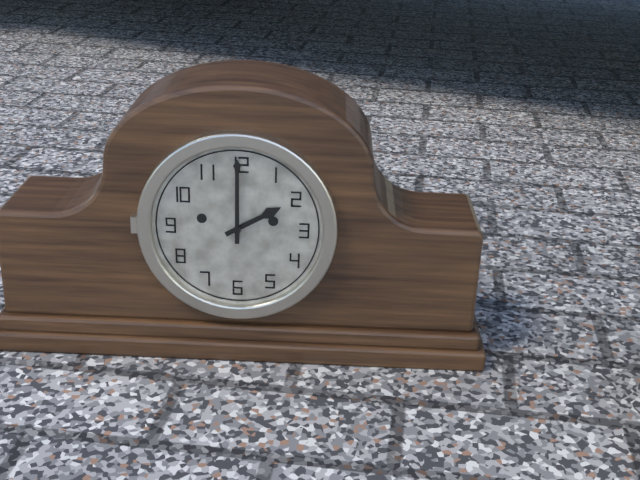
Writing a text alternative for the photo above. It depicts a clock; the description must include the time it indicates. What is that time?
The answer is 2:00
